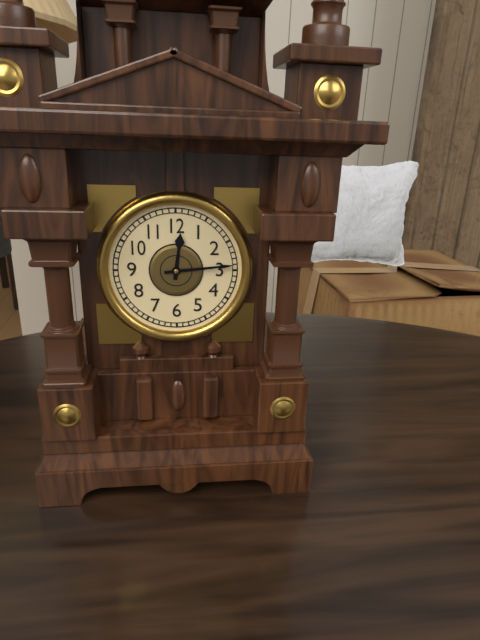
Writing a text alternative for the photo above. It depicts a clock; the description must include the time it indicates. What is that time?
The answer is 12:14
